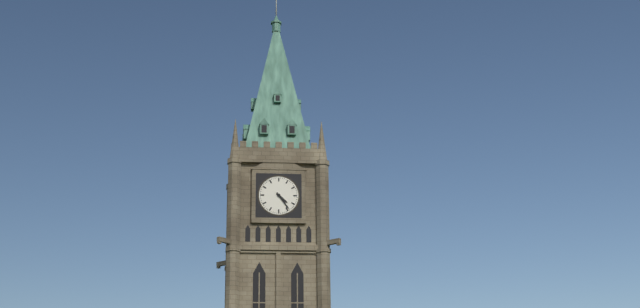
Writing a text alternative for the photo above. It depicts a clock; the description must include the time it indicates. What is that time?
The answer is 4:24
